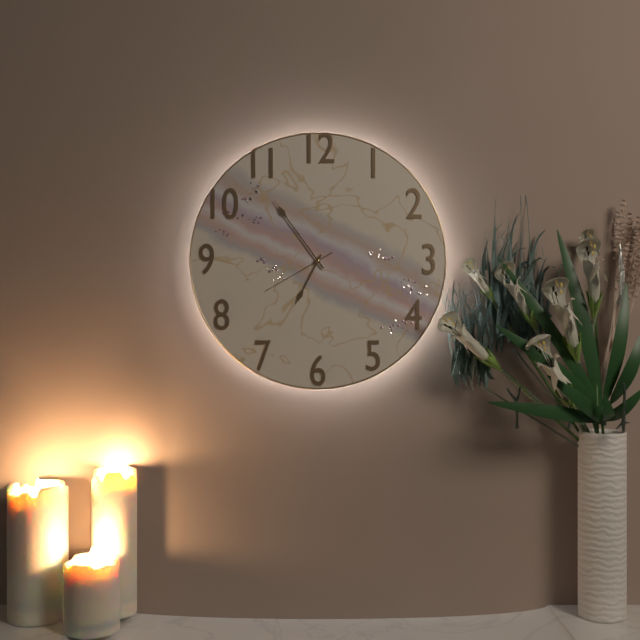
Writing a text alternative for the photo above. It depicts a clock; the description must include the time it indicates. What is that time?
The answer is 6:54:40
